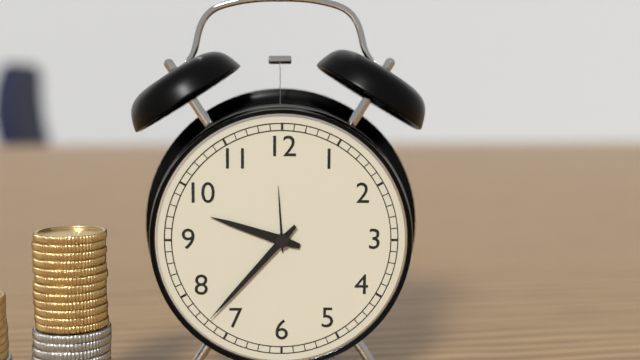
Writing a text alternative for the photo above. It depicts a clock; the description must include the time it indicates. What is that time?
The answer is 9:37
